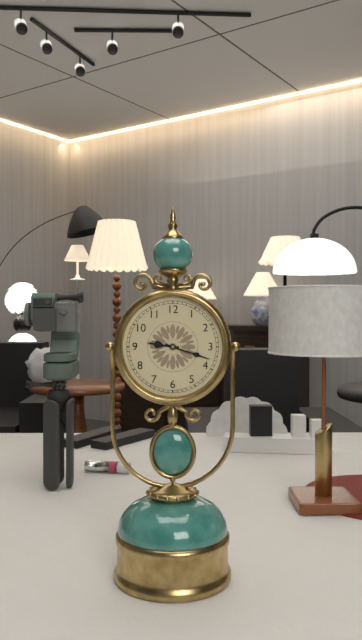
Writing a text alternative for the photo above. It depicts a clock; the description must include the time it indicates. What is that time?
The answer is 9:18
